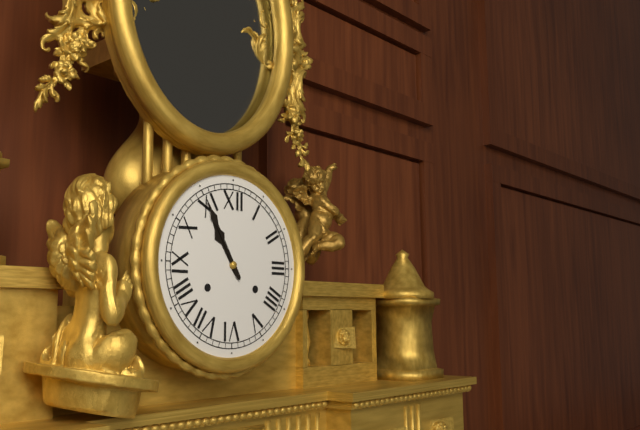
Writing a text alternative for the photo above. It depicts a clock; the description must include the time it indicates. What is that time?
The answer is 10:55
